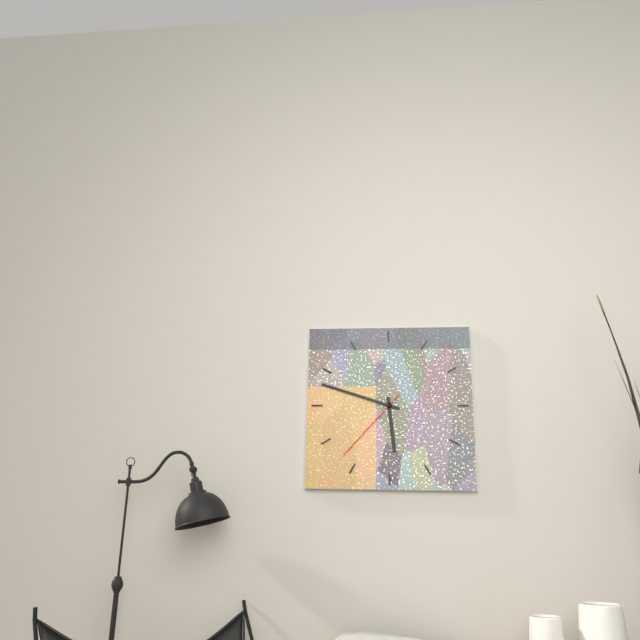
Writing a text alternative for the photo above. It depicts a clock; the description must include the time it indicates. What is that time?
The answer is 5:48:37
